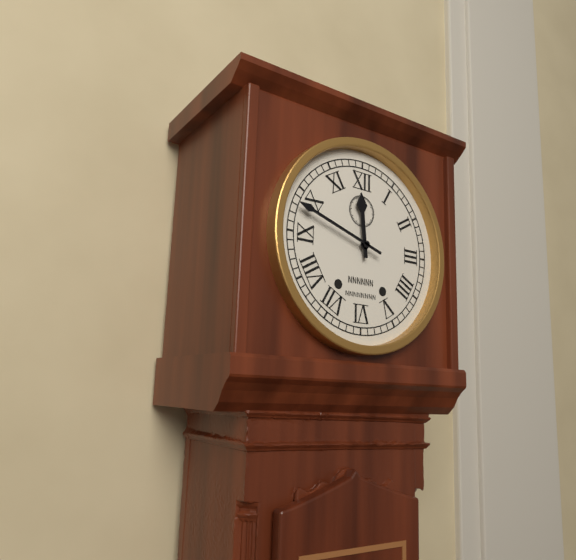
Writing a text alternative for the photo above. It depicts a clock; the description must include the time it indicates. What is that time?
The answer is 11:48
